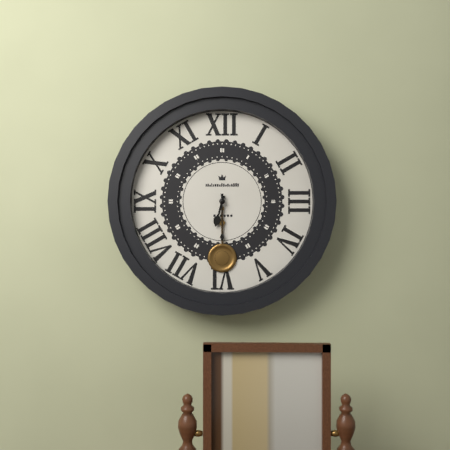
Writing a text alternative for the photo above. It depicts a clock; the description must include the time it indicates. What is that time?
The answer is 6:30
